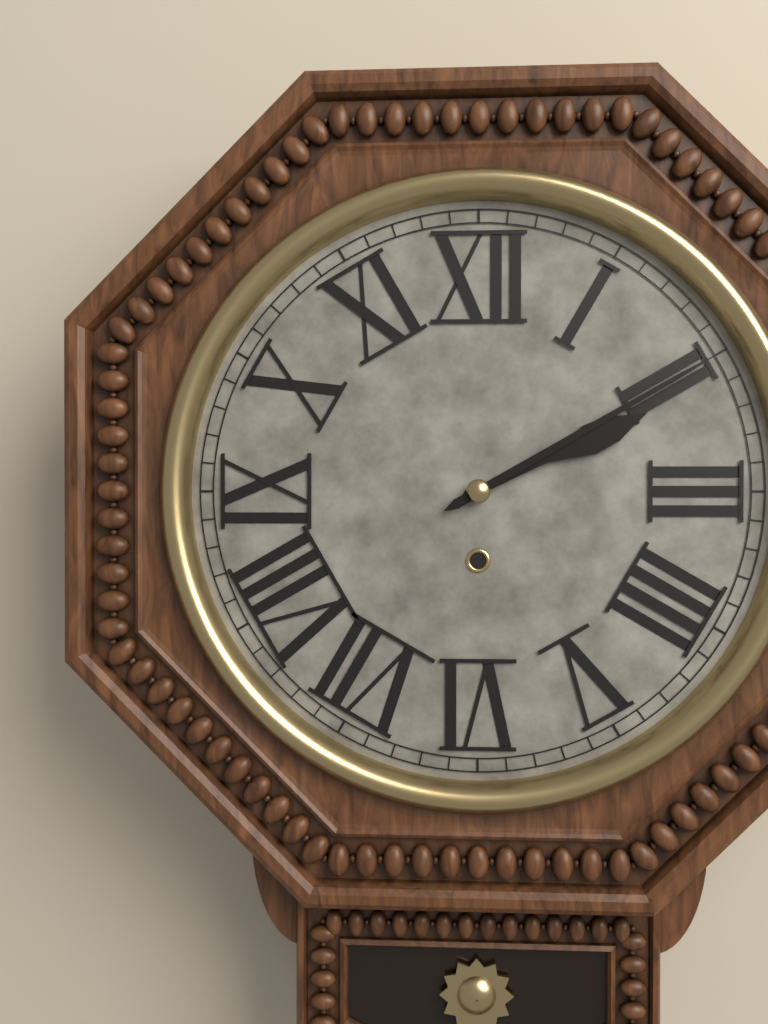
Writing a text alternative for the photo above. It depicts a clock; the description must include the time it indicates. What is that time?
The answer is 2:10
